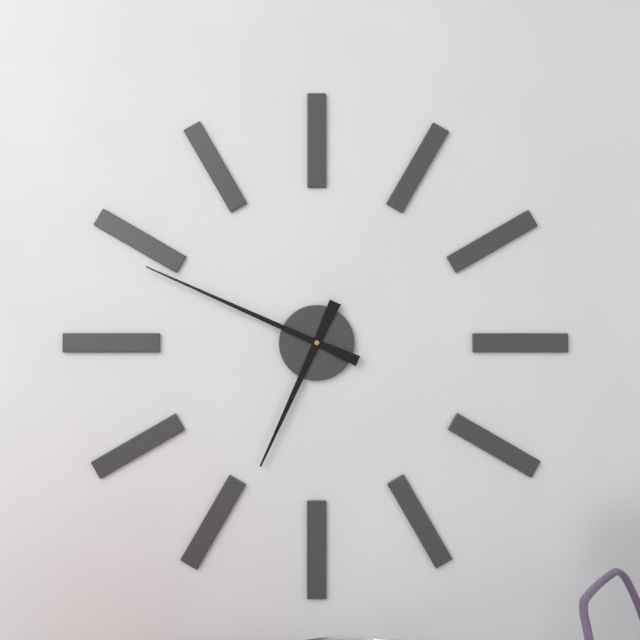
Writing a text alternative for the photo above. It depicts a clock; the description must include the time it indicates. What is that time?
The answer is 6:49
